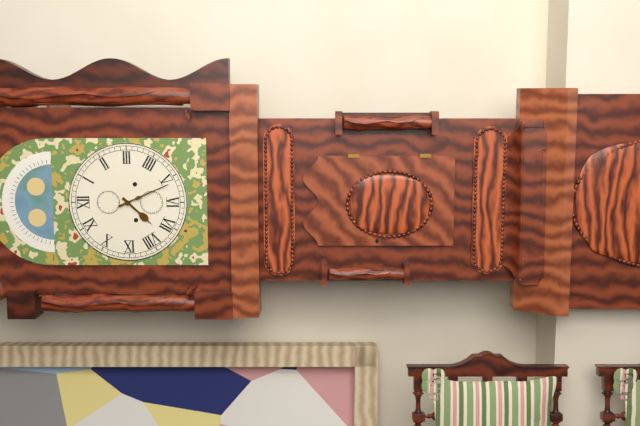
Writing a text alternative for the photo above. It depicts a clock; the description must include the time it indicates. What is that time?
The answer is 7:26
